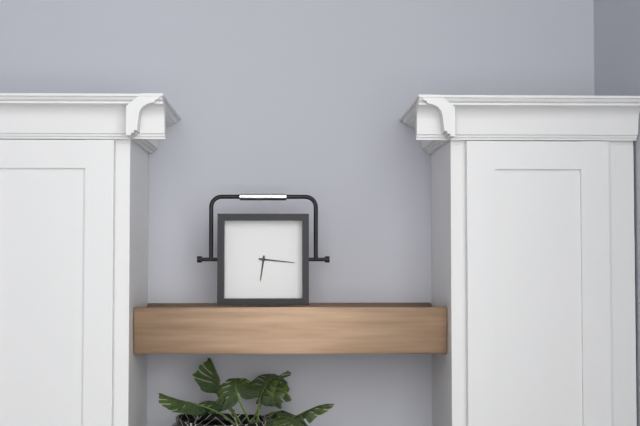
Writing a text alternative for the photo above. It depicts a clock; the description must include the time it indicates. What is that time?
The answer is 6:16
